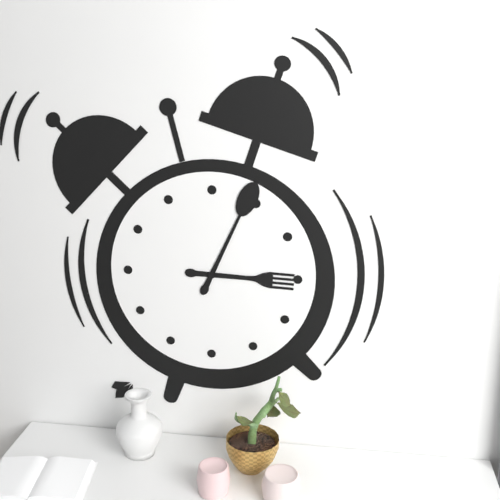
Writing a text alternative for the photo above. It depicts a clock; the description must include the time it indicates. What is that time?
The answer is 3:04
